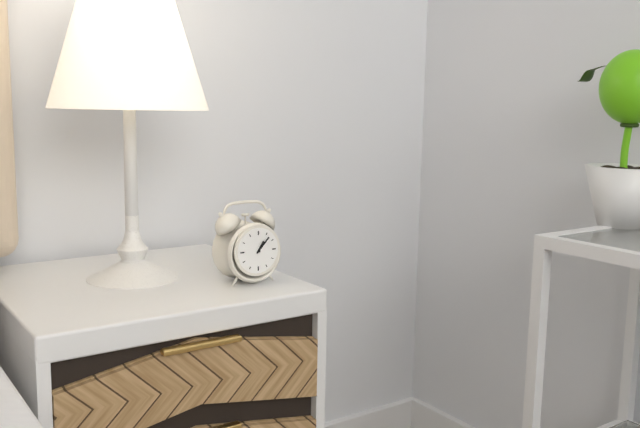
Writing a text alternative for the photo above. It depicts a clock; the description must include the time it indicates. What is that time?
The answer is 1:07
